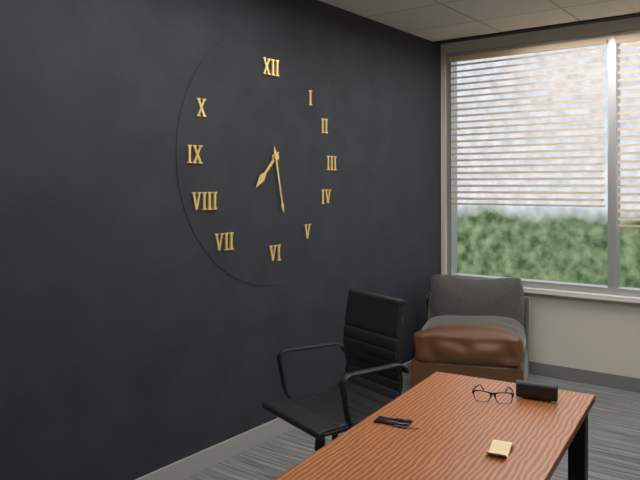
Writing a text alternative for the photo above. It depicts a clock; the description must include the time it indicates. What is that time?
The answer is 7:28
